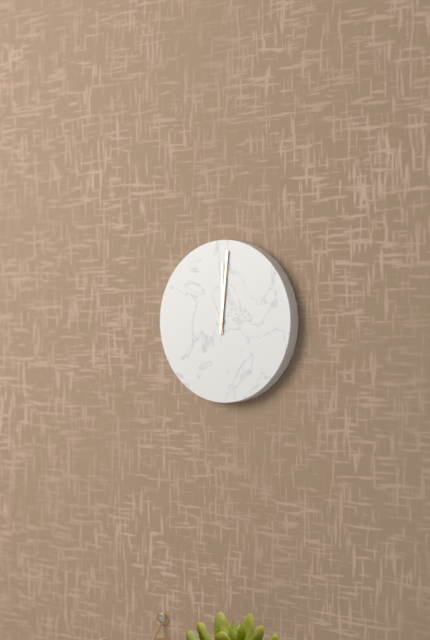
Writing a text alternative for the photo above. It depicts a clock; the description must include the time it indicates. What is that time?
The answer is 12:01
